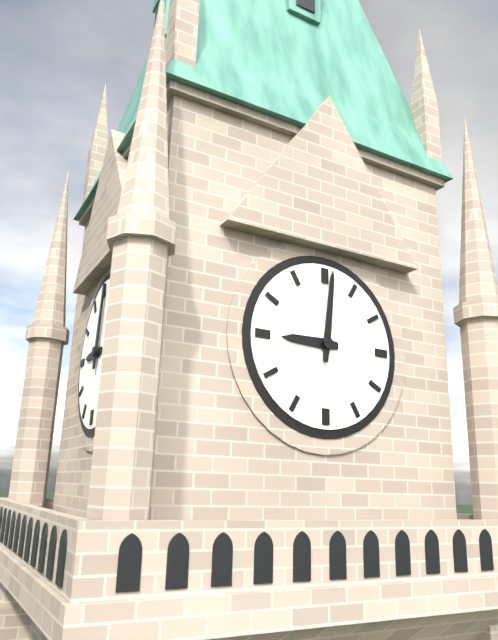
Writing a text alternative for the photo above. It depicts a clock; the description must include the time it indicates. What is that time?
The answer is 9:01
